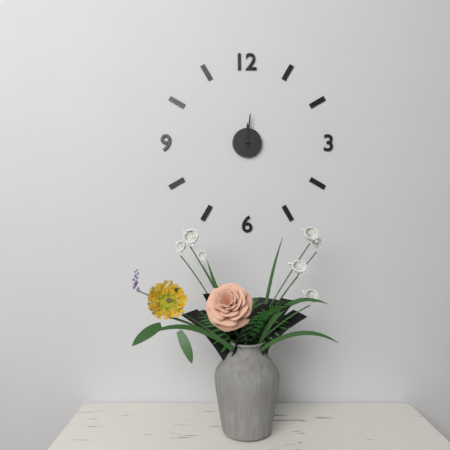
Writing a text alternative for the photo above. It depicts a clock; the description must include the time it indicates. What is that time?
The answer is 12:01
